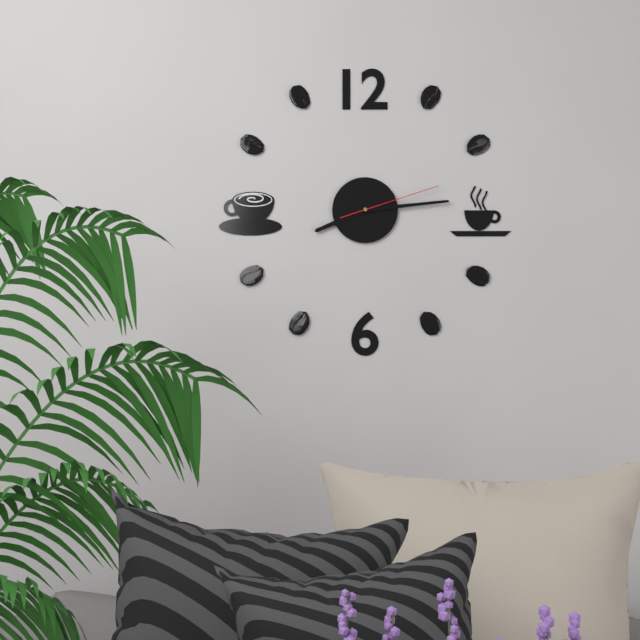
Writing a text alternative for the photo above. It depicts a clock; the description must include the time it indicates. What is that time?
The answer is 8:14:12
